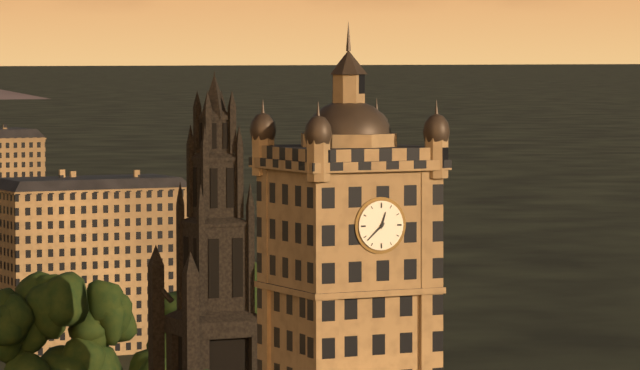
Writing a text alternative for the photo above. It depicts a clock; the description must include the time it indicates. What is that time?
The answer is 12:38
